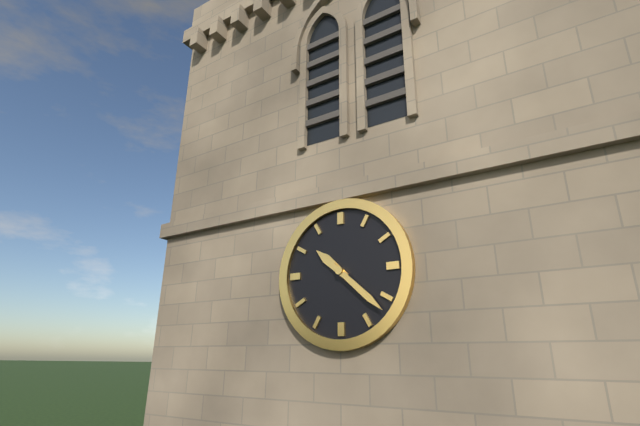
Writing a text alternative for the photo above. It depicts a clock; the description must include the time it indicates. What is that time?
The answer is 10:22
